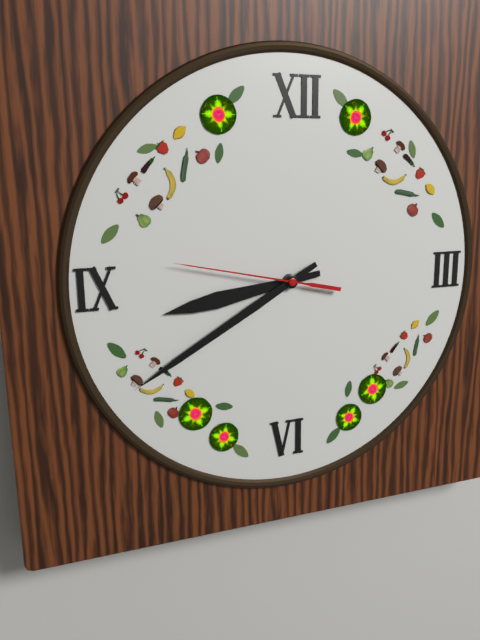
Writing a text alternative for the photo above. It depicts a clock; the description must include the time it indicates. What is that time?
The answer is 8:40:47
